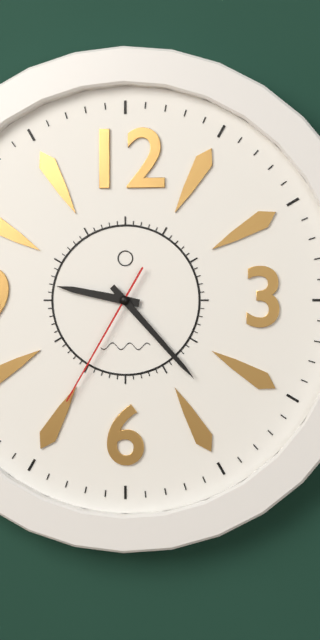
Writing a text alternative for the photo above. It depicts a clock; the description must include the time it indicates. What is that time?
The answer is 9:23:35
